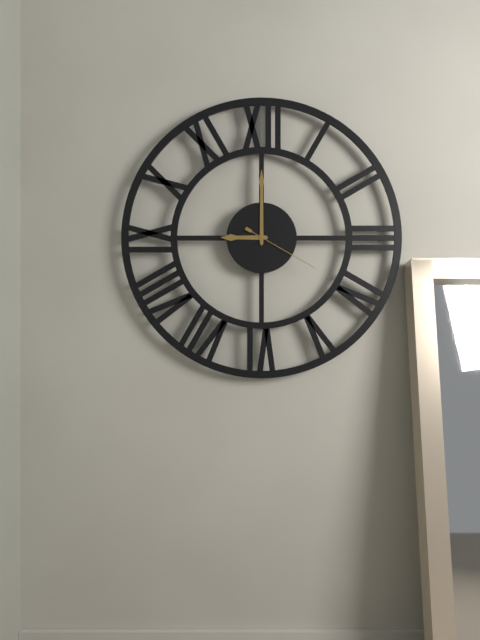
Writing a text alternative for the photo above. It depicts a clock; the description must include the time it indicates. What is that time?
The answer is 9:00:20
